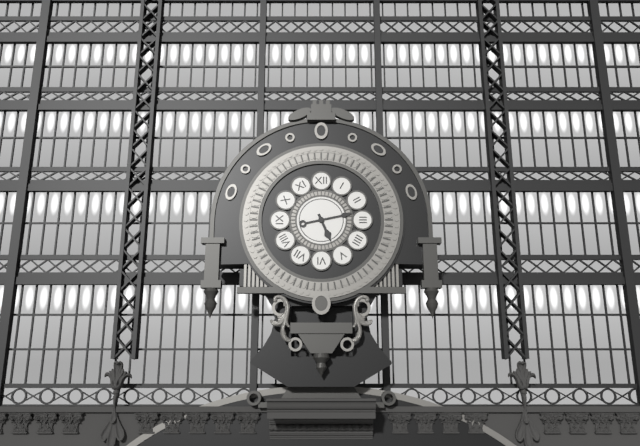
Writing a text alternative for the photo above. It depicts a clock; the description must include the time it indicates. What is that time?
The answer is 5:13
